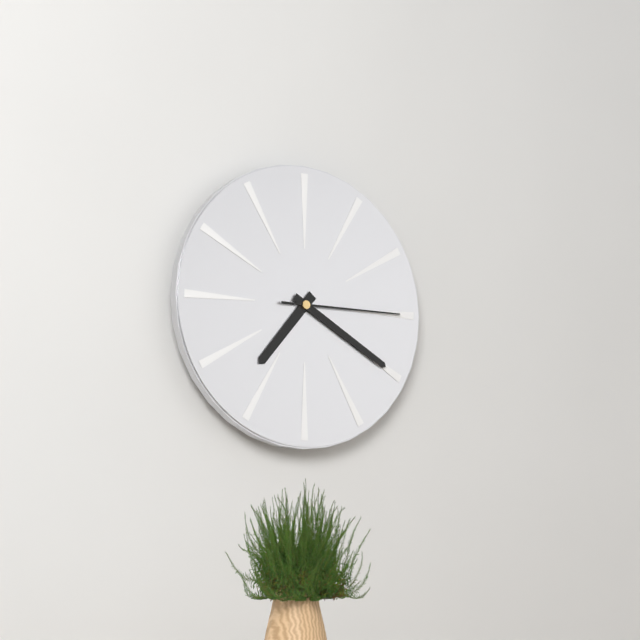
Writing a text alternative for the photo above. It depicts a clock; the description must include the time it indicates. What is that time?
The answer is 7:20:15
